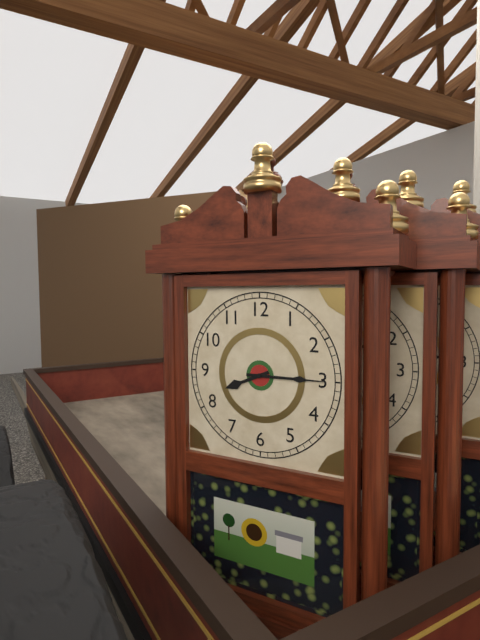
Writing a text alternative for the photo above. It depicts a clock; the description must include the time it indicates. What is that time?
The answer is 8:15
